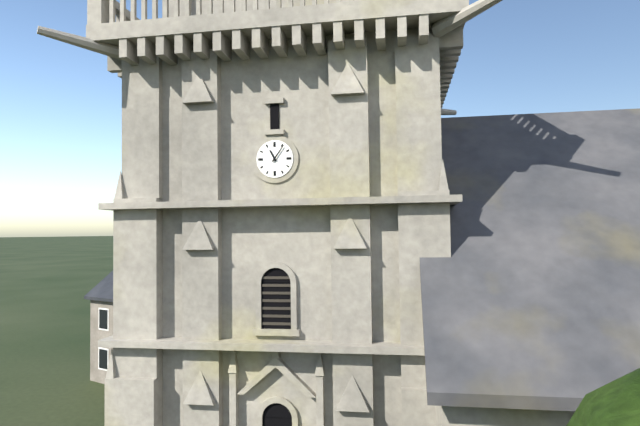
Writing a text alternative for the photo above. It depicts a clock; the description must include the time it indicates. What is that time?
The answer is 11:06
